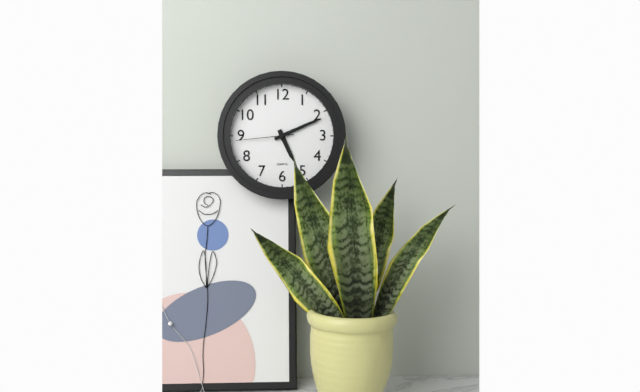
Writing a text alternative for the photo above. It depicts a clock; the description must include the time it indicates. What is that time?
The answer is 5:11:44
